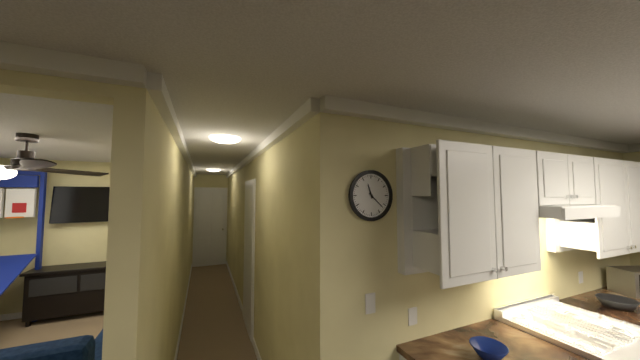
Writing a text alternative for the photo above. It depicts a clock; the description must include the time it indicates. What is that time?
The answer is 11:22
